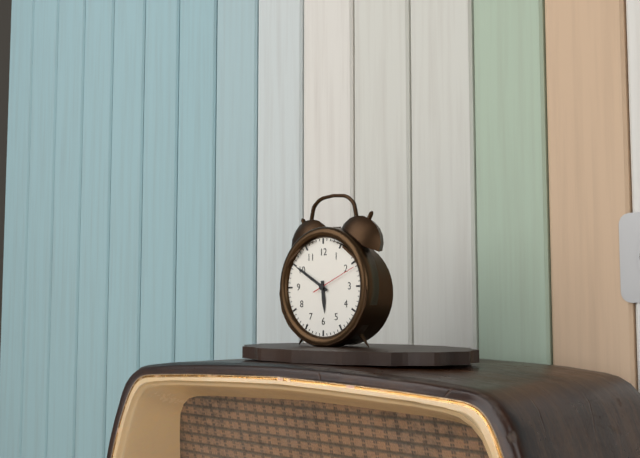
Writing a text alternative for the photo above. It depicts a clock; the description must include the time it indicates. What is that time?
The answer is 5:50
